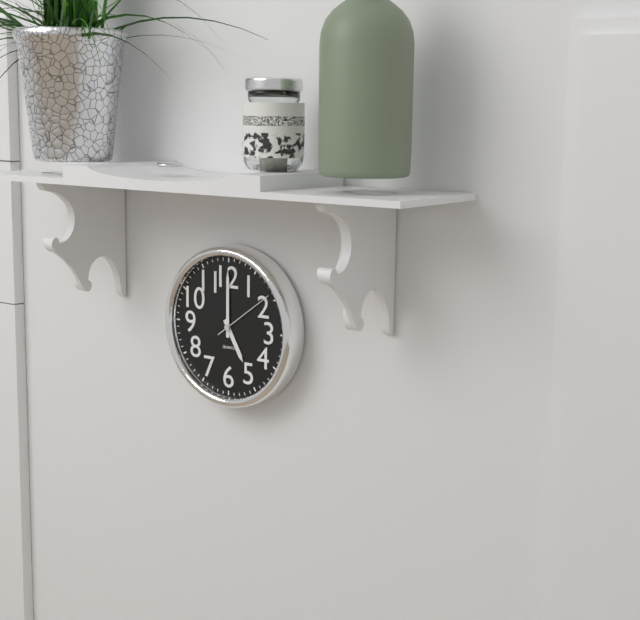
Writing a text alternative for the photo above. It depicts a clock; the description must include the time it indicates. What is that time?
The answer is 5:00:09
